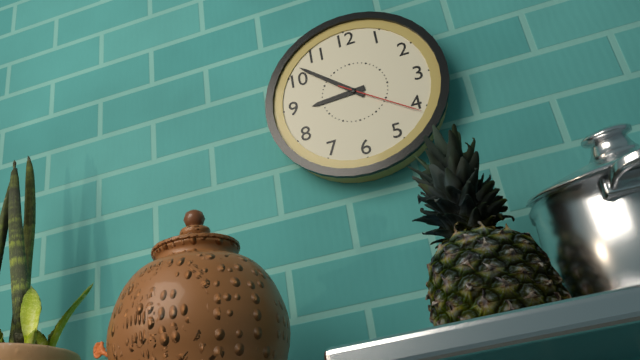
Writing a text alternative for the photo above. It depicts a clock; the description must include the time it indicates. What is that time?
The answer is 8:52:21
